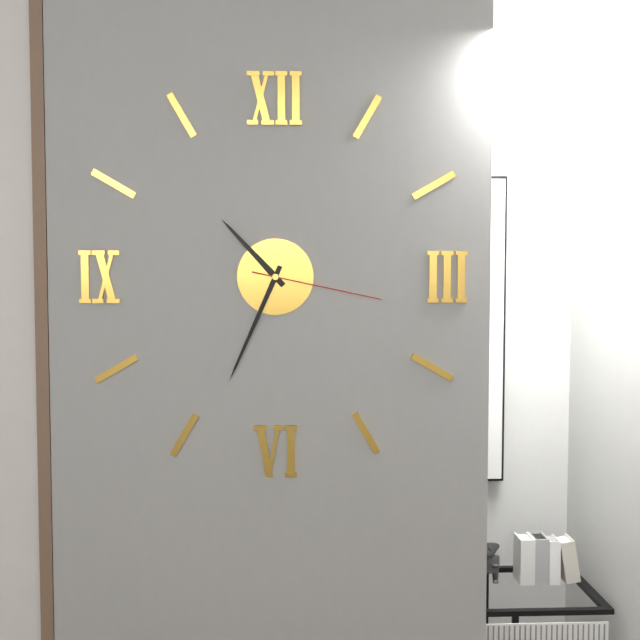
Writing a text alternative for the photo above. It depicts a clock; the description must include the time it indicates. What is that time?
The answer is 10:34:17
